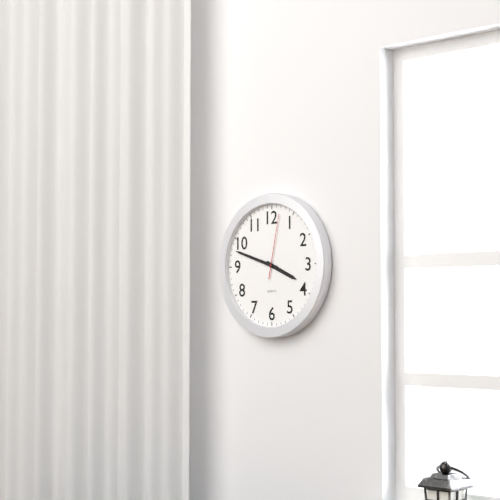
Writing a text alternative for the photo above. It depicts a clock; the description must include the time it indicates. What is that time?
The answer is 3:48:02
